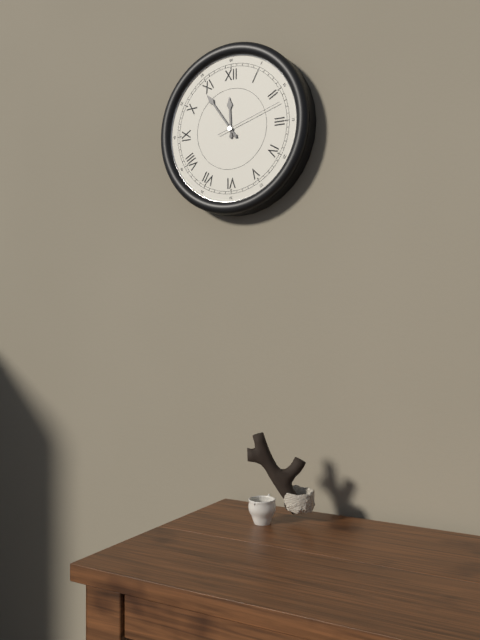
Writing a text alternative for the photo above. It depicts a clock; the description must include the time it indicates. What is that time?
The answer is 11:54:12
